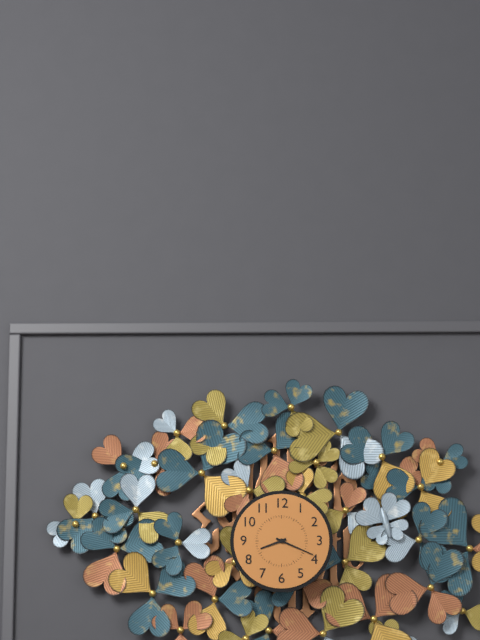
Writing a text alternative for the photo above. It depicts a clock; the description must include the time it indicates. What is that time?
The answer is 8:19
